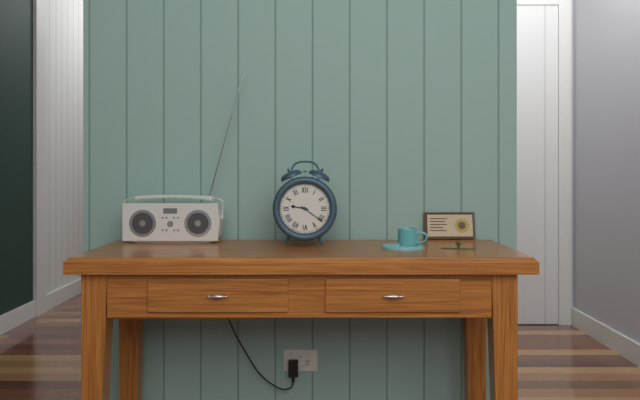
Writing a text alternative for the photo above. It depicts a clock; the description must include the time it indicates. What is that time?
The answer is 9:21
